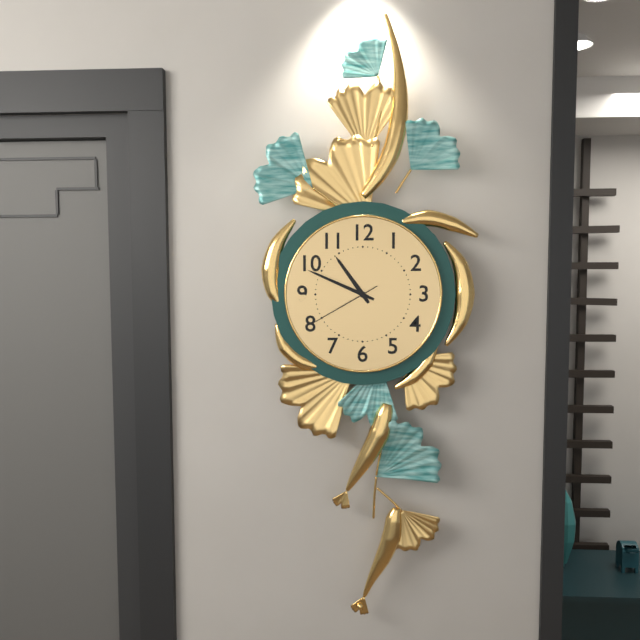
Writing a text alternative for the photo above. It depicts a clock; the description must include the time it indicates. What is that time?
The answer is 10:49:40
